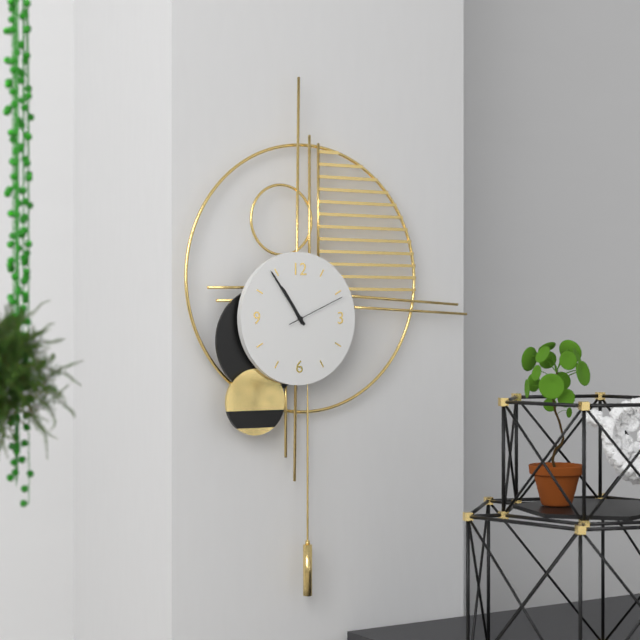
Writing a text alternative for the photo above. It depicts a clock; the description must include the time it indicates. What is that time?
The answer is 10:54:11
